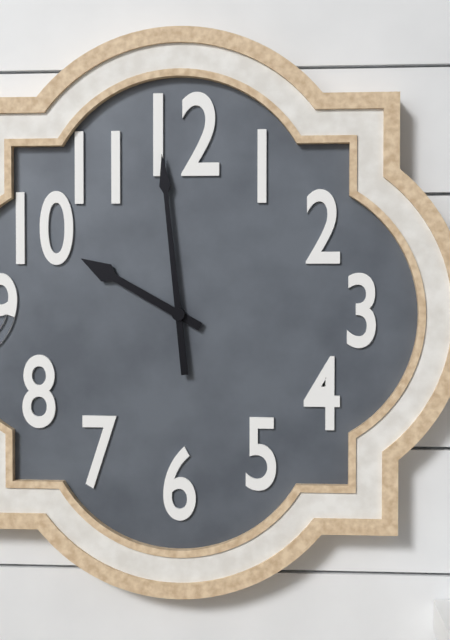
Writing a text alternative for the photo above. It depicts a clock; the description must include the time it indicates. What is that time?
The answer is 9:59
